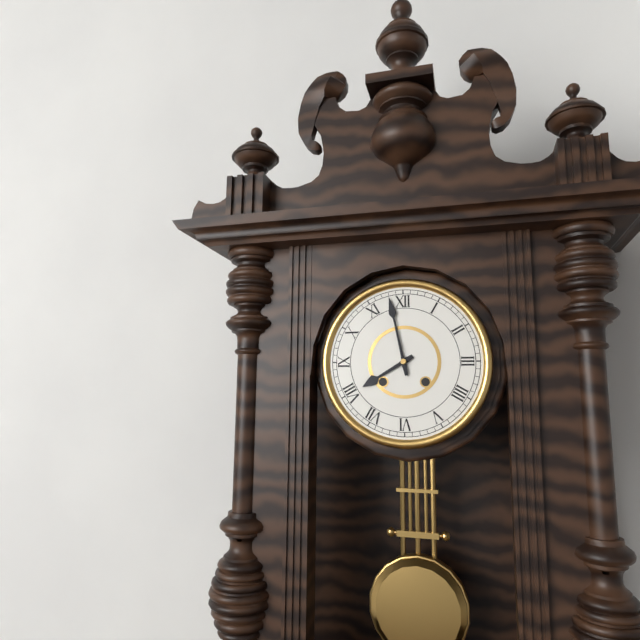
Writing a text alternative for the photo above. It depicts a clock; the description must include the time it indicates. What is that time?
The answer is 7:58
